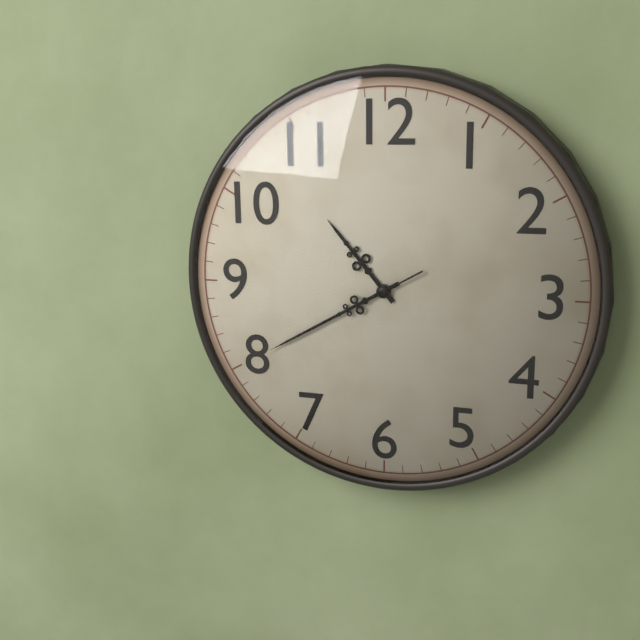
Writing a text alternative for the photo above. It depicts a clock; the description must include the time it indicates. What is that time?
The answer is 10:40:40
